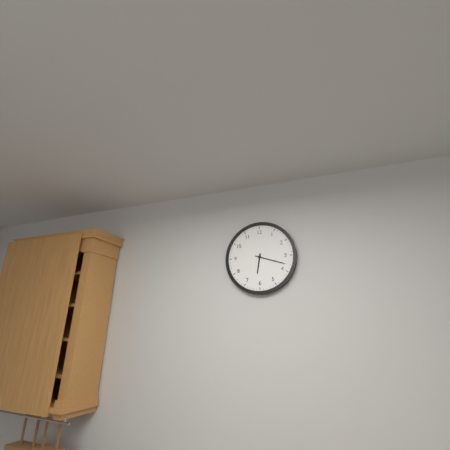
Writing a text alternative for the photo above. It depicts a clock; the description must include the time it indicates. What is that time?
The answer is 6:18
